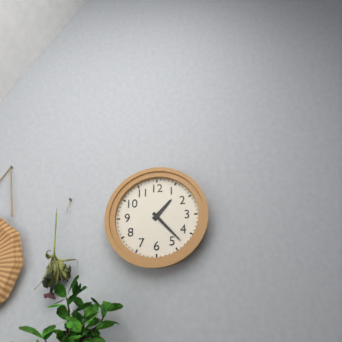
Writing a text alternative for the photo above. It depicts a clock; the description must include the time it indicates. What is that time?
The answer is 1:23
